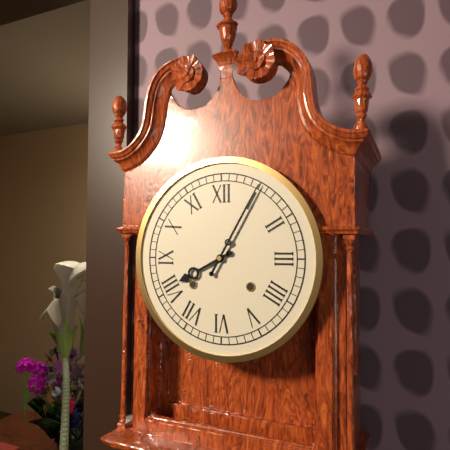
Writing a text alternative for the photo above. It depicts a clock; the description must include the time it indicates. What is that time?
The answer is 8:05
